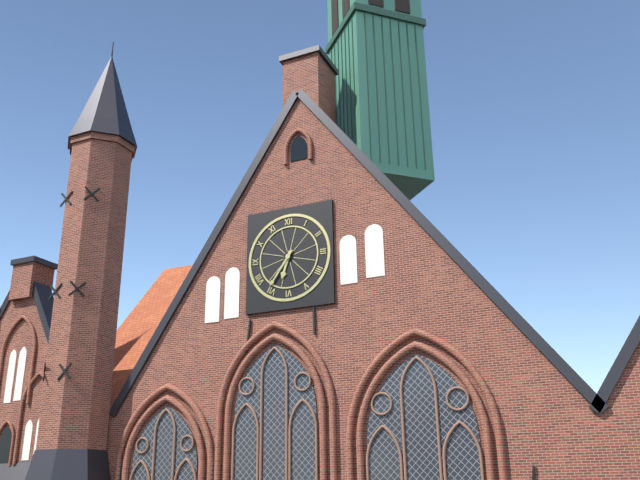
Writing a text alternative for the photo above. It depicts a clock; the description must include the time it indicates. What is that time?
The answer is 6:36
